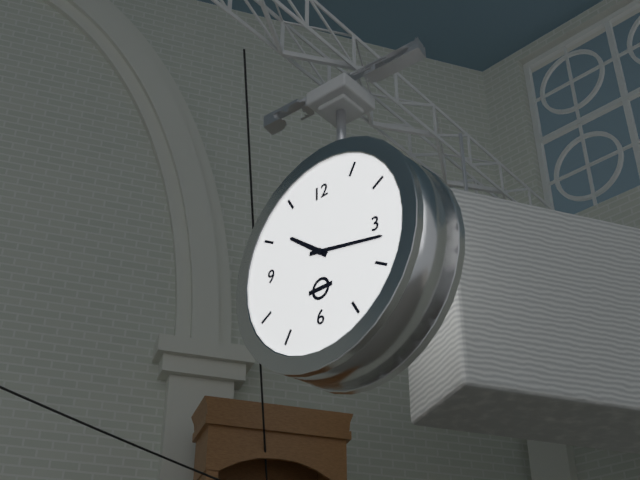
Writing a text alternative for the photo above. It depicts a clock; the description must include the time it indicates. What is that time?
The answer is 10:17
